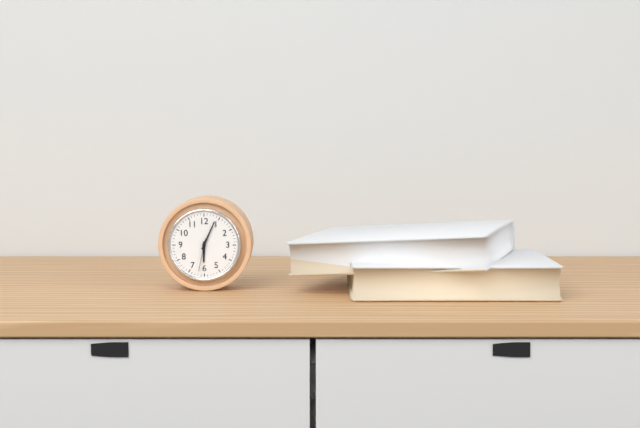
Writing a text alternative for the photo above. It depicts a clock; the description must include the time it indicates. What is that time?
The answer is 6:04
